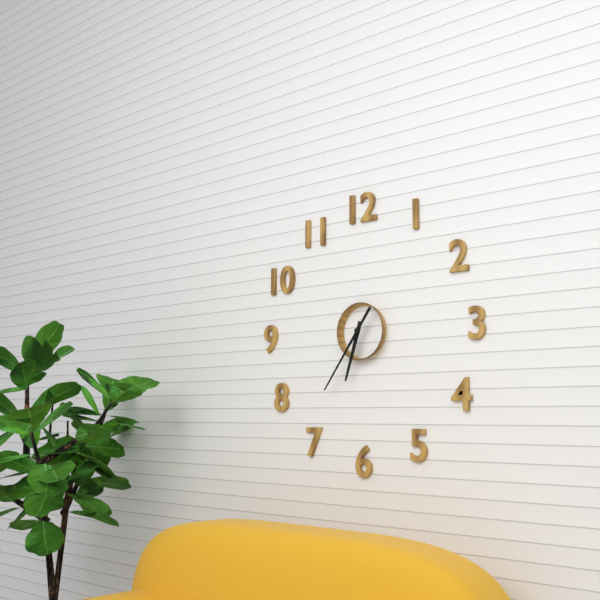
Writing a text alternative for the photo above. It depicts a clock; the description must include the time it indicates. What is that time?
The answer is 6:36
